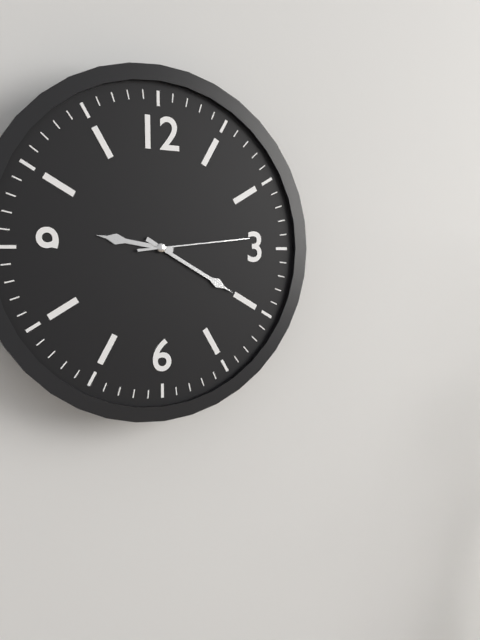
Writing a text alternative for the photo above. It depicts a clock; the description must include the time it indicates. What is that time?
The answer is 9:20:14
